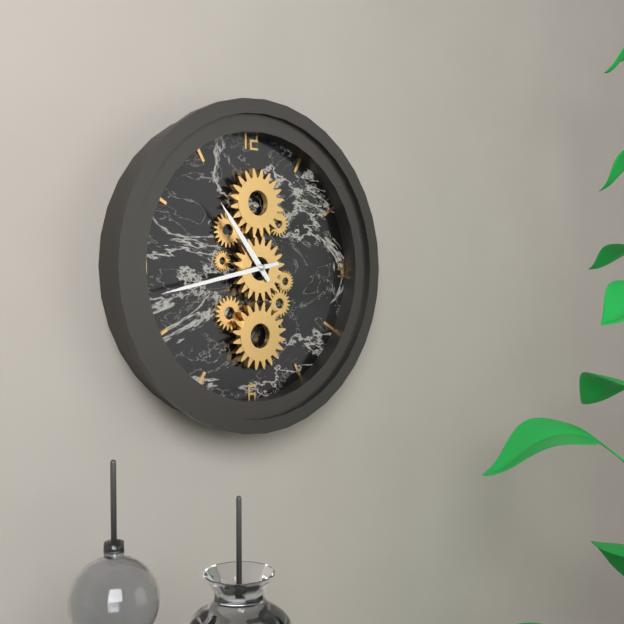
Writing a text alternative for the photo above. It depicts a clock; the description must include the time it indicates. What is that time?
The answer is 10:43
